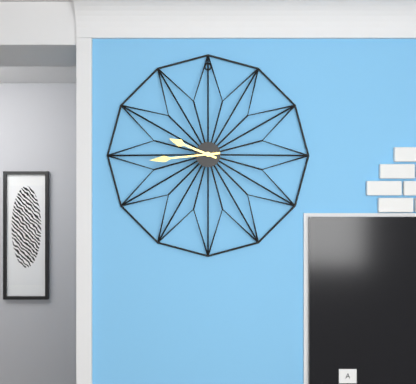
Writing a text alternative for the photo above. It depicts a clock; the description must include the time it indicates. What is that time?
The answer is 9:44
